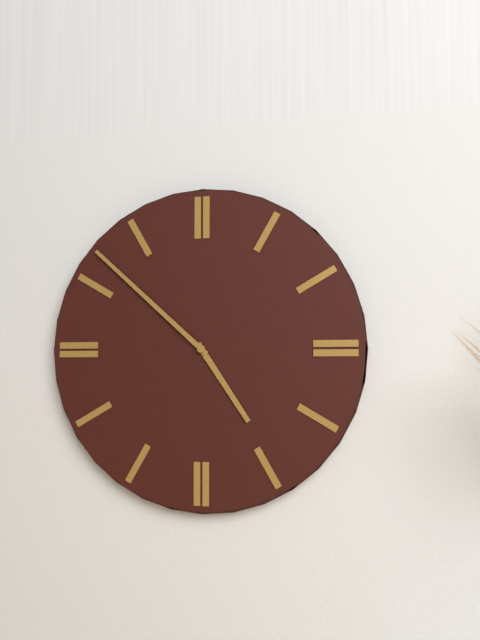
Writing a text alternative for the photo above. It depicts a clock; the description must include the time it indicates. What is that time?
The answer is 4:52
